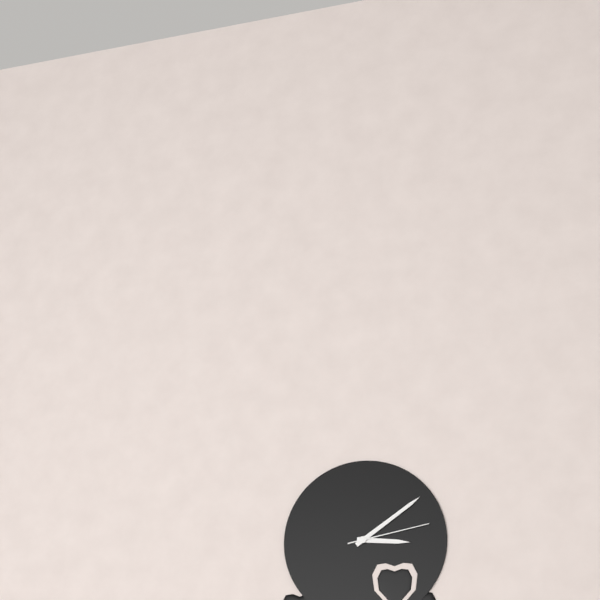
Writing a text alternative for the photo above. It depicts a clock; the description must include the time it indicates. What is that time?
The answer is 3:09:13
